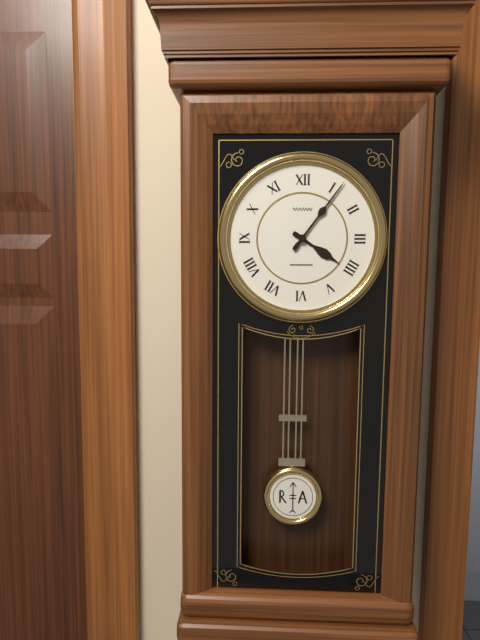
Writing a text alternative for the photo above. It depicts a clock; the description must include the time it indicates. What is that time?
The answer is 4:06
